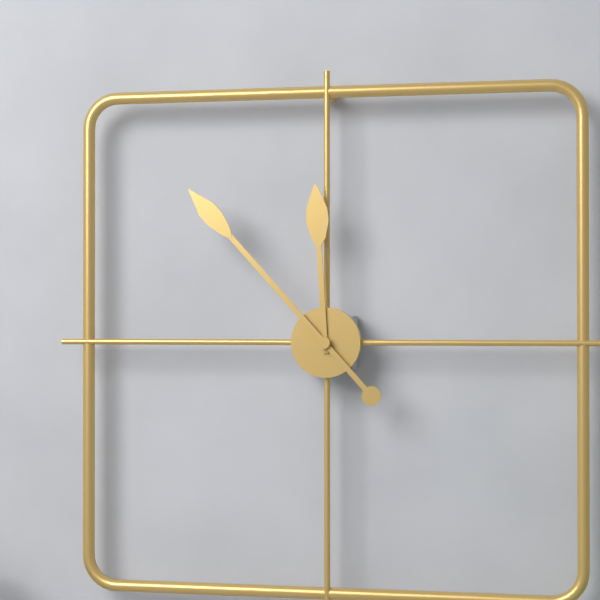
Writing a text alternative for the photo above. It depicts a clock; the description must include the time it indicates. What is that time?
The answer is 11:53
